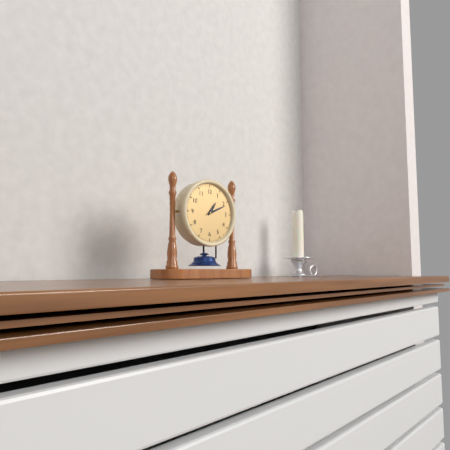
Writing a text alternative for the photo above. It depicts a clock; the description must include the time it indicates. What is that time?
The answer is 1:11
